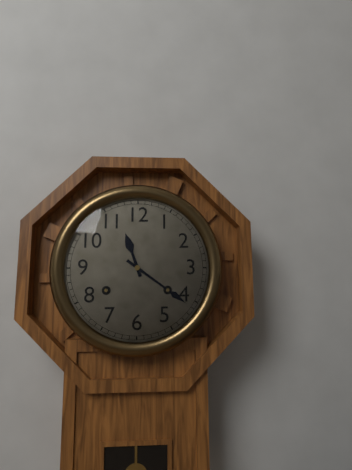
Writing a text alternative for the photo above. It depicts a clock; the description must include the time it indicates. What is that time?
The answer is 11:21
